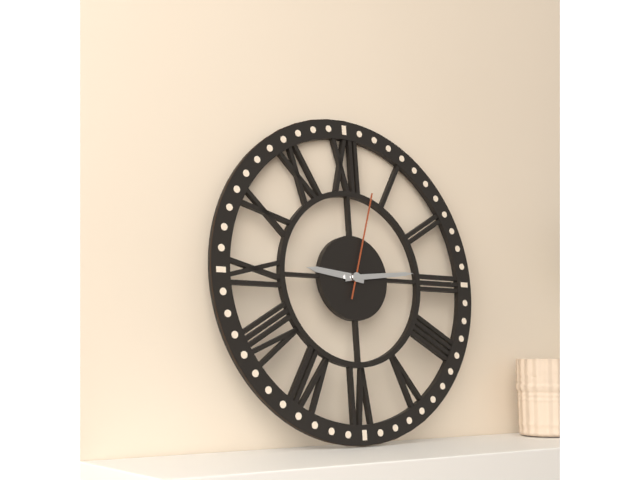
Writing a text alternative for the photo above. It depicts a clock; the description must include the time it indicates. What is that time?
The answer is 9:14:03
